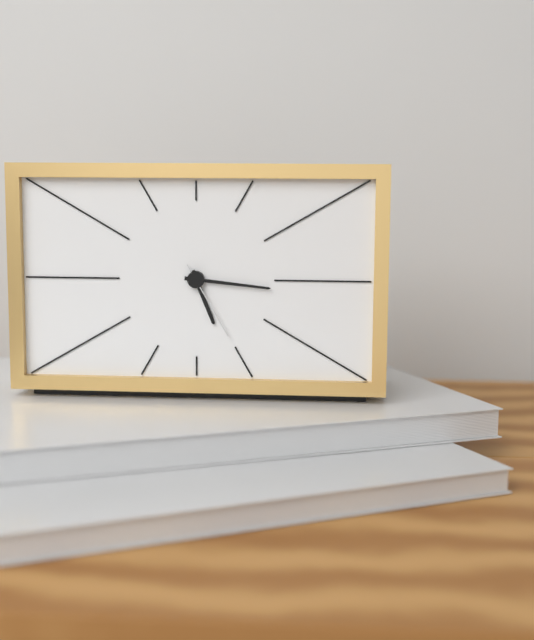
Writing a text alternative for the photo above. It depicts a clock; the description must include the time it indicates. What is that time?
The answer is 5:16:25
